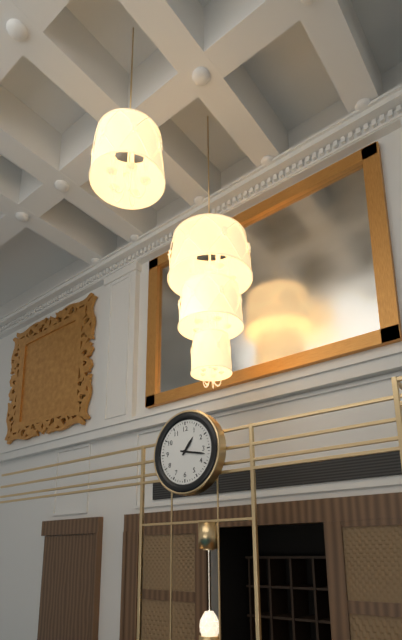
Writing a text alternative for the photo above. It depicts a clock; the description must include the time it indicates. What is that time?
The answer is 1:17
